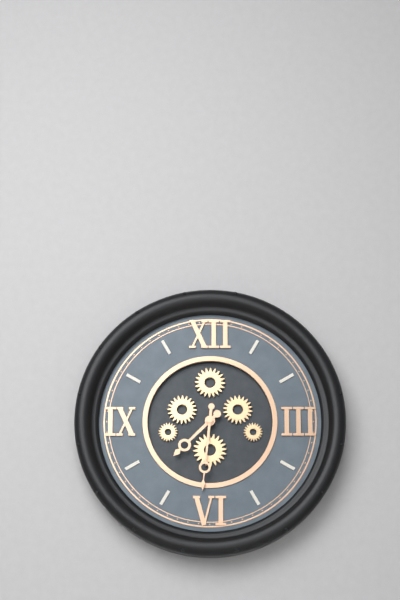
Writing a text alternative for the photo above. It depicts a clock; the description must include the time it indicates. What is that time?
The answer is 7:31
